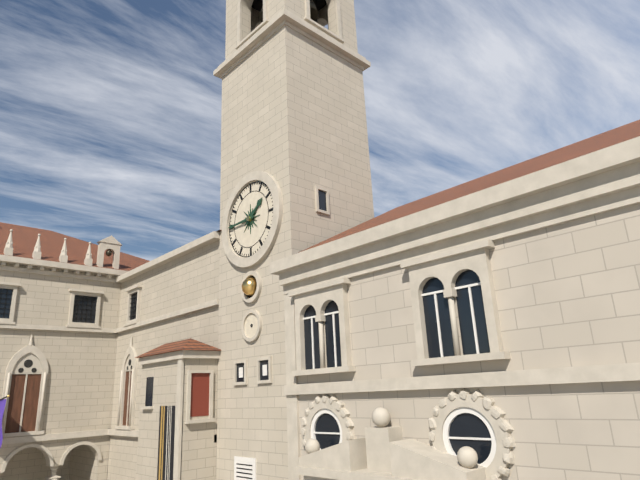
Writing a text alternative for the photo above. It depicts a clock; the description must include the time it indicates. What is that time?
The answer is 1:45
